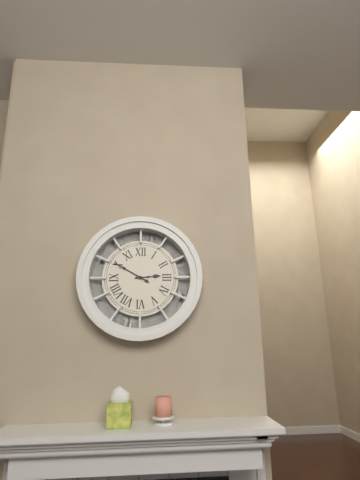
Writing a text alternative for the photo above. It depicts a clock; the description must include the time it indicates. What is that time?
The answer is 2:50
